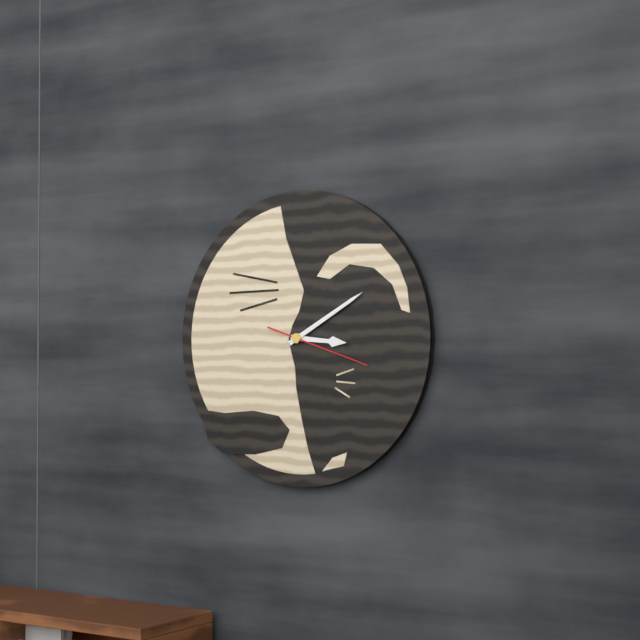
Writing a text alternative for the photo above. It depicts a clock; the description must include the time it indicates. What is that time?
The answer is 3:10:18
